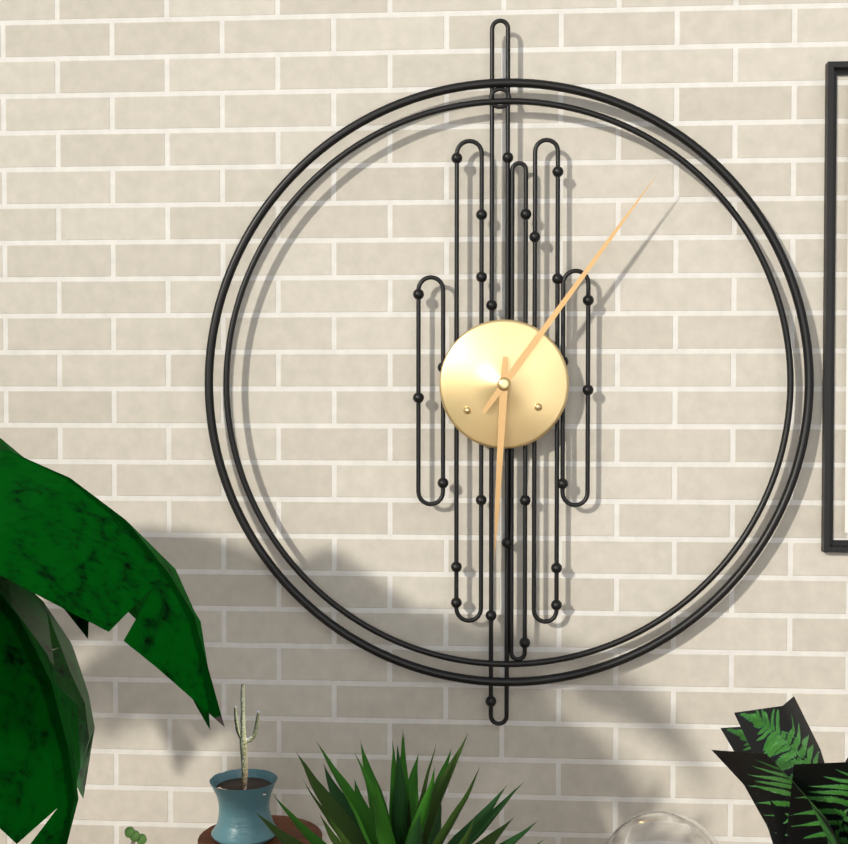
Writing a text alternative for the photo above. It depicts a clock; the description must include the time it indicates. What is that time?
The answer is 6:06
